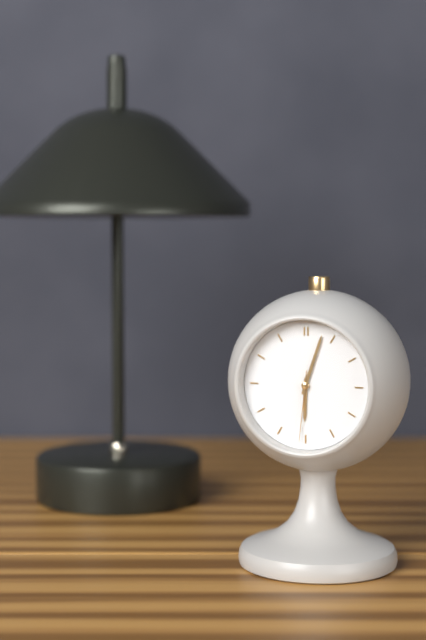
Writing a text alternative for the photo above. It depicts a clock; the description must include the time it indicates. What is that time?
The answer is 6:03:31
